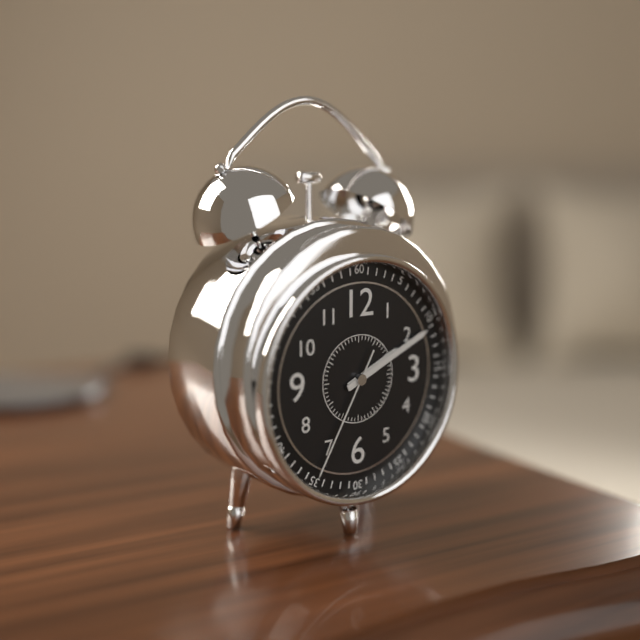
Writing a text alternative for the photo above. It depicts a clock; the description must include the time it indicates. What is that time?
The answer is 2:11:35
